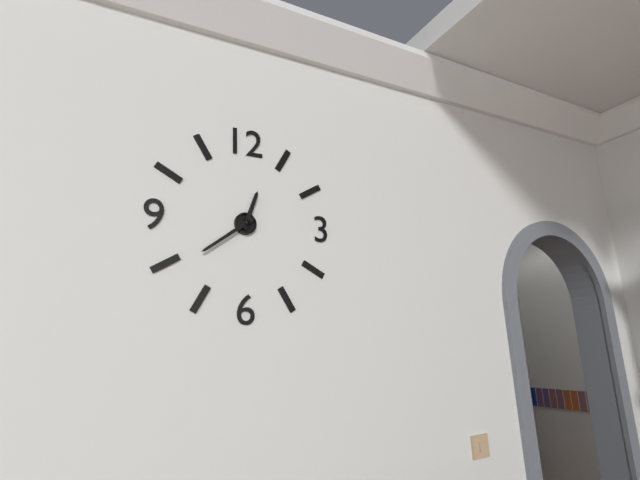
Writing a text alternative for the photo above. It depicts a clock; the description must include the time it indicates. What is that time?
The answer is 12:39
